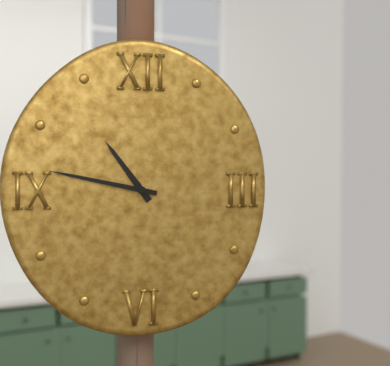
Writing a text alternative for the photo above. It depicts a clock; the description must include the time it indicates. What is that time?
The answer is 10:47
